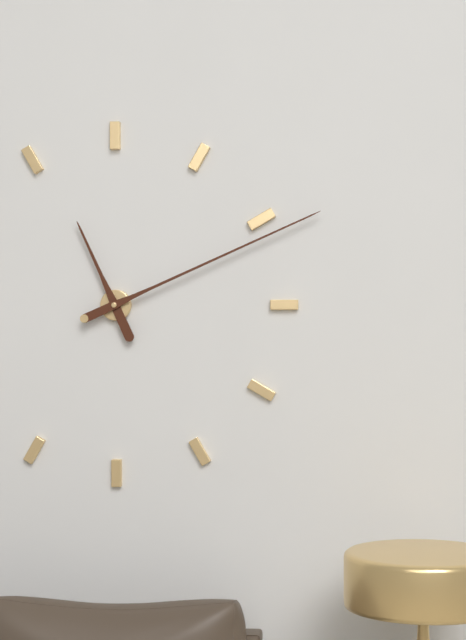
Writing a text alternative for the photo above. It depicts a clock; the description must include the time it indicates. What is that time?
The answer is 11:11
